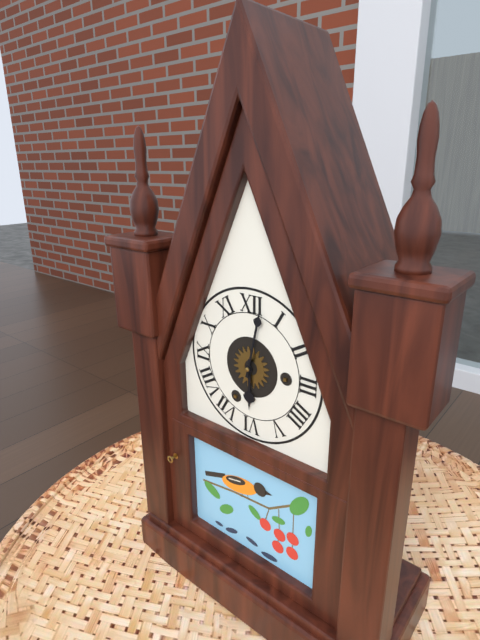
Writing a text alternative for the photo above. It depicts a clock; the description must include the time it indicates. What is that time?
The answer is 6:02
